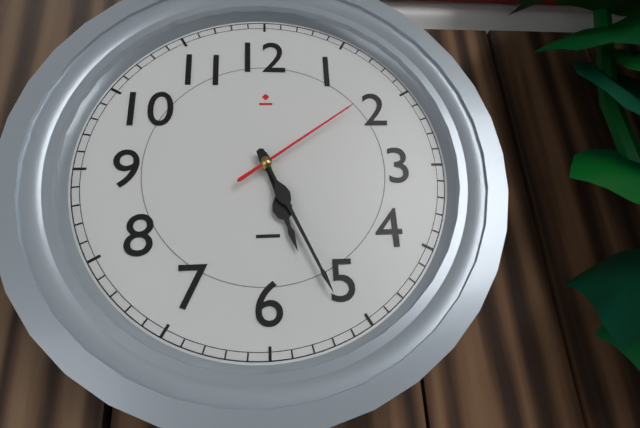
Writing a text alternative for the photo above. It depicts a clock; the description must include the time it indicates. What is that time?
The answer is 5:26:09
